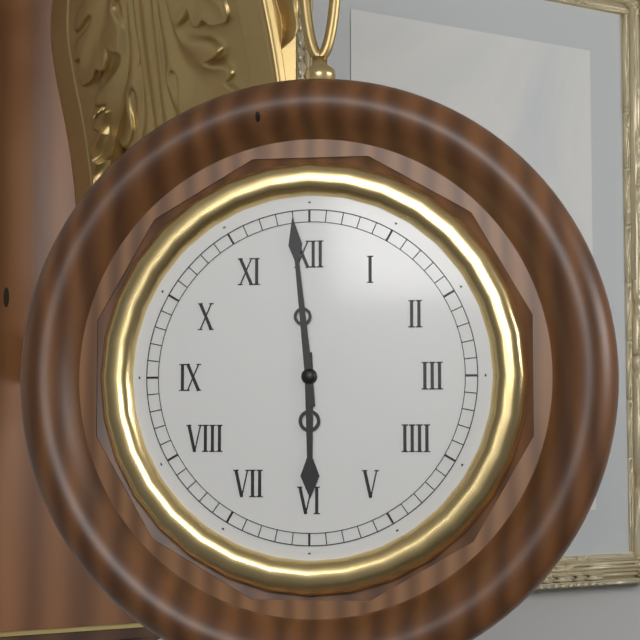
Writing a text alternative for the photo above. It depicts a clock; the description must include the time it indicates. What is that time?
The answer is 5:59
